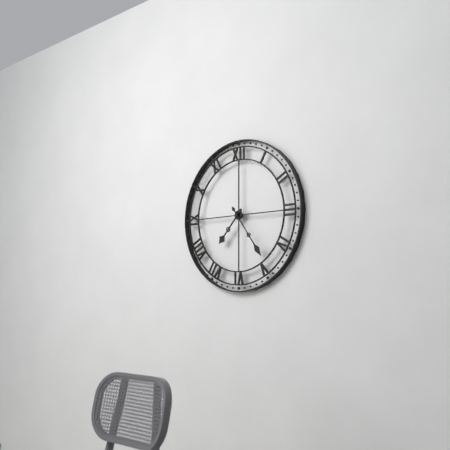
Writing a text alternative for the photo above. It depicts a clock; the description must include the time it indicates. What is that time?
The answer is 7:24
